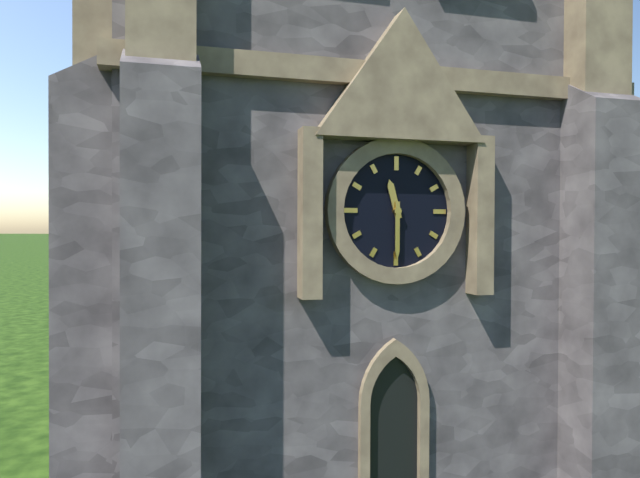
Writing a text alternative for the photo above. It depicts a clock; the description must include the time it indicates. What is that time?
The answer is 11:30
